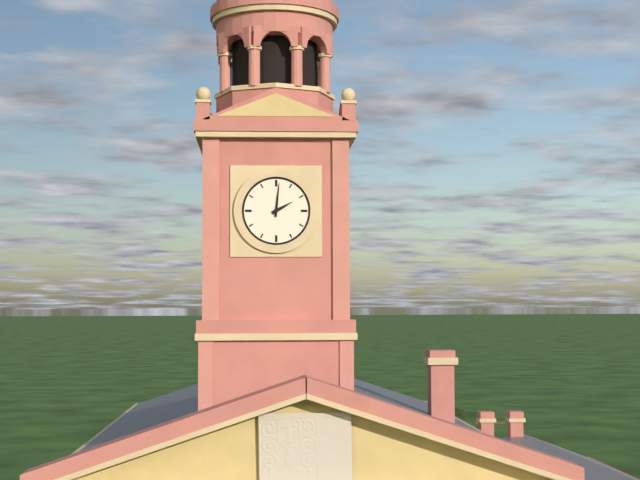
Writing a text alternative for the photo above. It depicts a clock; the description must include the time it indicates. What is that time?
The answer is 2:01
